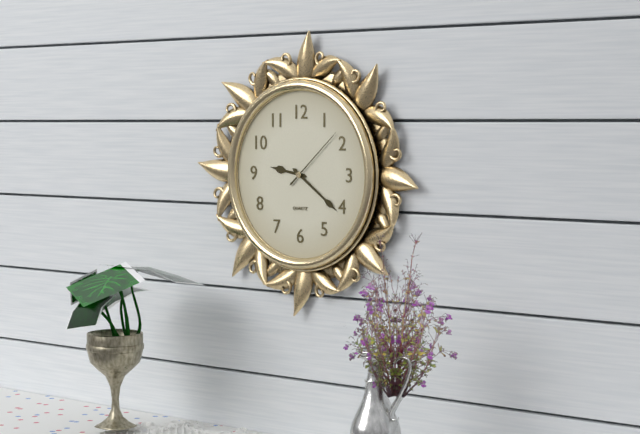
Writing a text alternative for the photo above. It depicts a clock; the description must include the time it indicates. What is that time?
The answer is 9:21:08
